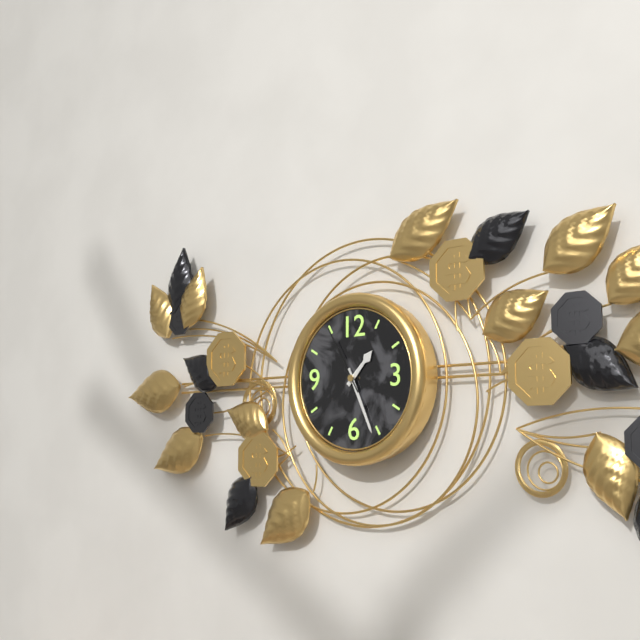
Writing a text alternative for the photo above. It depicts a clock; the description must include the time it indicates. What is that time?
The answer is 1:26:55
